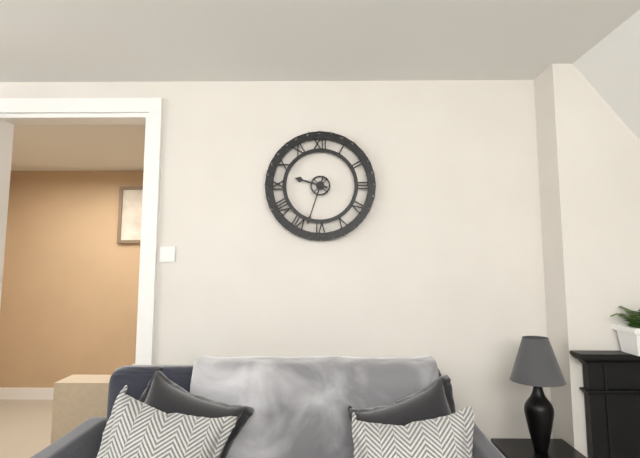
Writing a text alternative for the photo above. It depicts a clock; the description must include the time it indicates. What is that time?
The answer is 9:33
